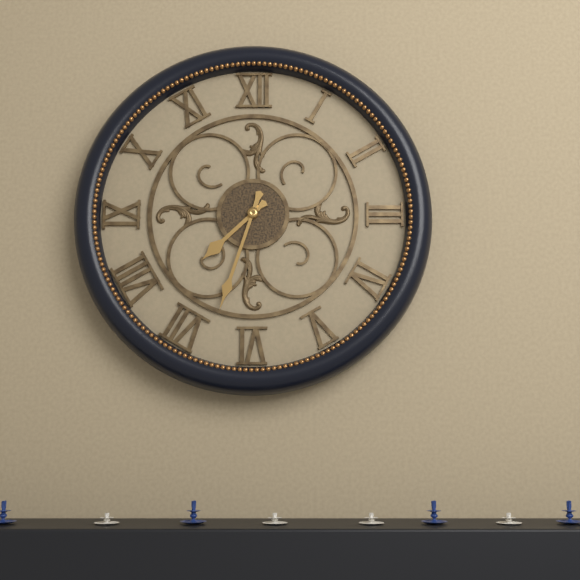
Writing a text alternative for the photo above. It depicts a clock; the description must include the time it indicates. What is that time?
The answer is 7:33
